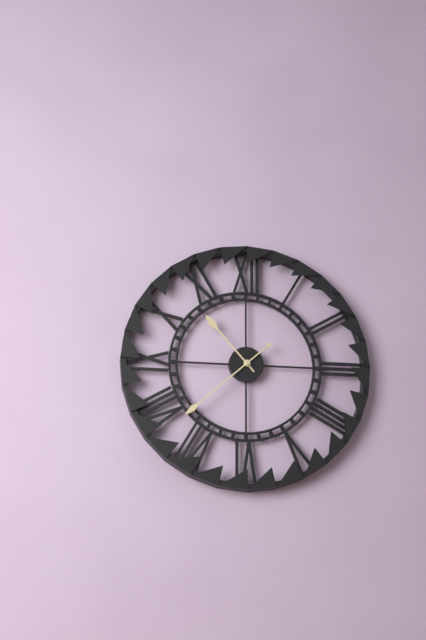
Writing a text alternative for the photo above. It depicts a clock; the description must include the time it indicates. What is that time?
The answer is 10:38
